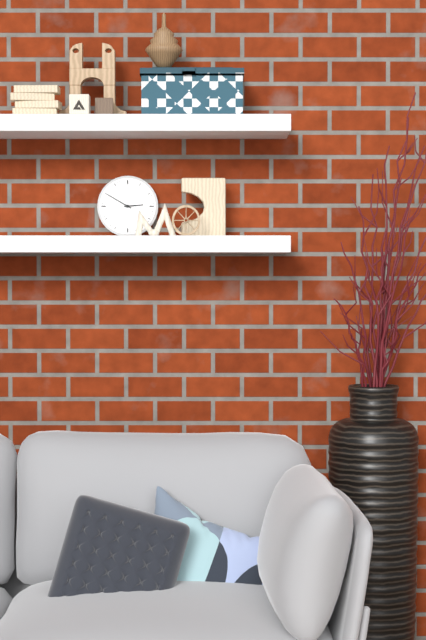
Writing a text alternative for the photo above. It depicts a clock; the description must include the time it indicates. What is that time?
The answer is 2:50
